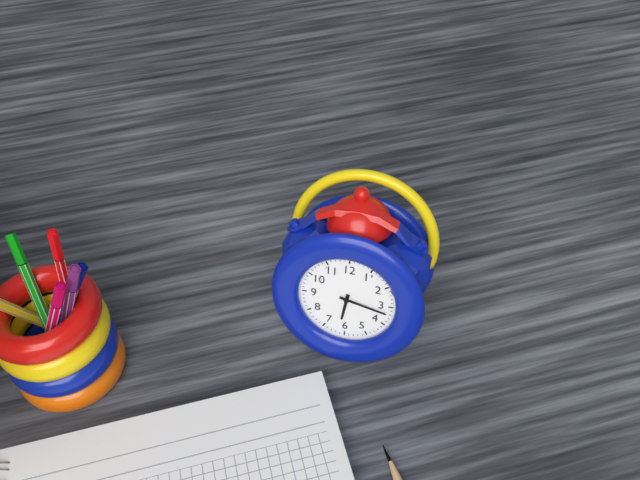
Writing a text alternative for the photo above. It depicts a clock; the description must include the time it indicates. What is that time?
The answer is 6:17
